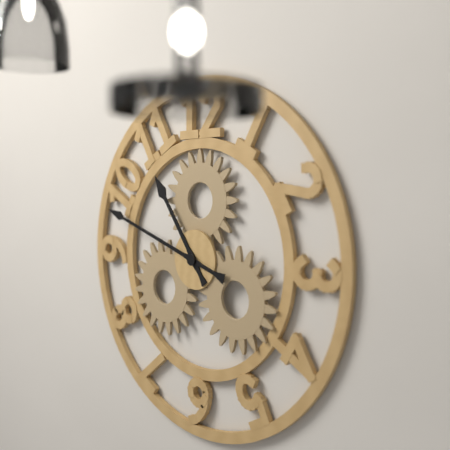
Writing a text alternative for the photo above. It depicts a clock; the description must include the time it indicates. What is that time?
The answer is 10:48
